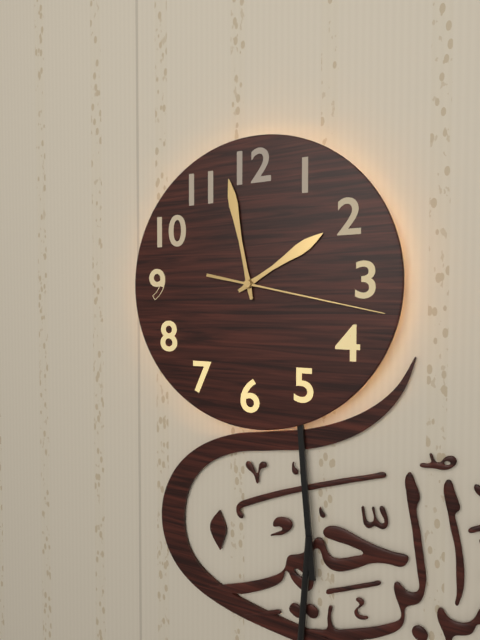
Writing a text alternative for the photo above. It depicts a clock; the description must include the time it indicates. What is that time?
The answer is 1:58:17
